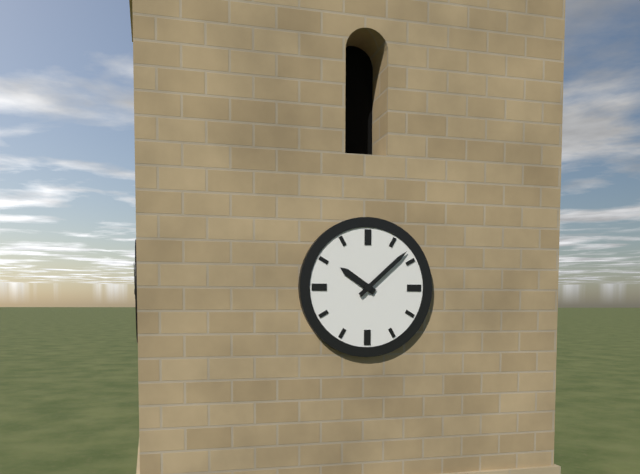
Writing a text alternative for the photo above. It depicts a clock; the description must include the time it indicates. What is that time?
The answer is 10:08
